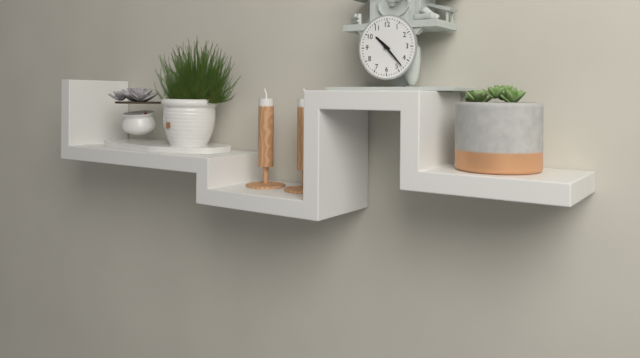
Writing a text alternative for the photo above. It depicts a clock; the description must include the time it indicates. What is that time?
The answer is 10:23
